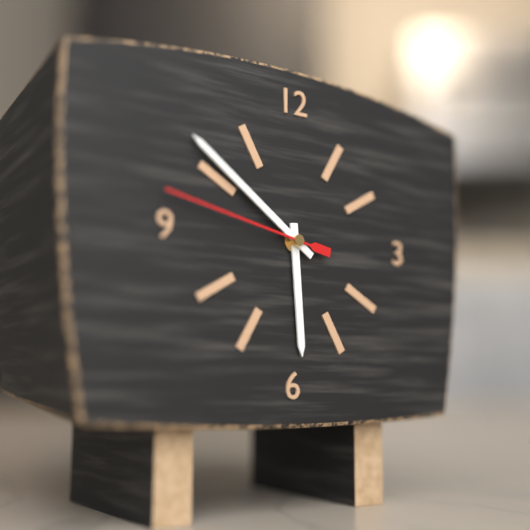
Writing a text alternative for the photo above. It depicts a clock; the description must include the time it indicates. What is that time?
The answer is 5:51:47
